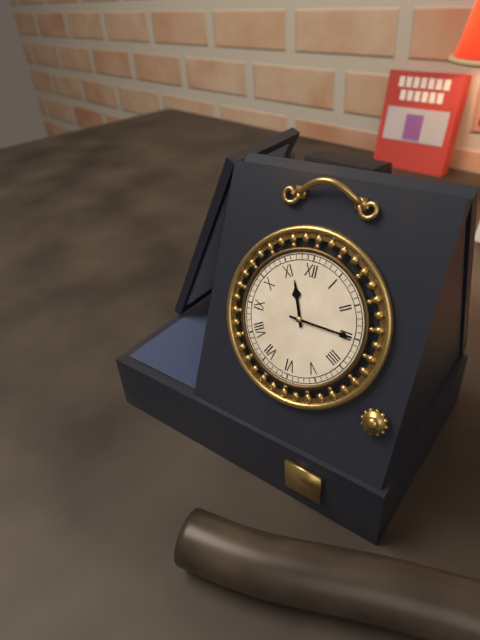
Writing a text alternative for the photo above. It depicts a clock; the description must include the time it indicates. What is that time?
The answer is 11:15
